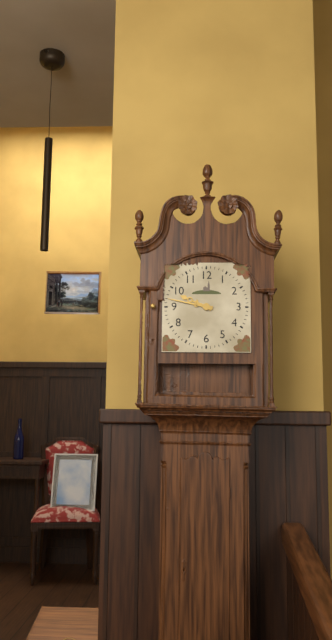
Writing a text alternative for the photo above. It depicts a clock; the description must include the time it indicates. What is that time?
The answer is 9:47
